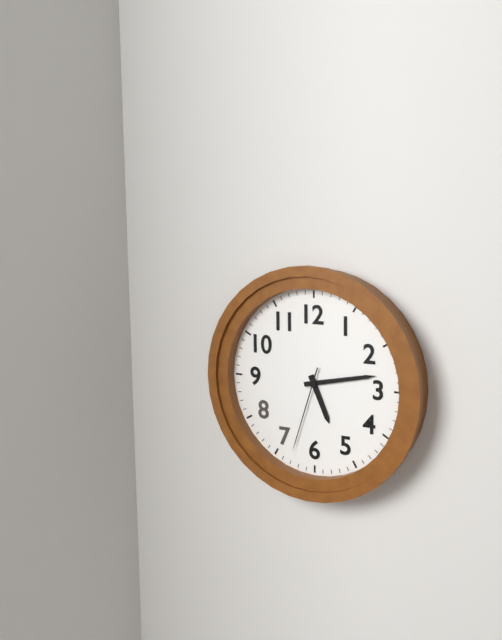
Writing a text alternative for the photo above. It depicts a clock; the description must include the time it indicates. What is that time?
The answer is 5:13:33
